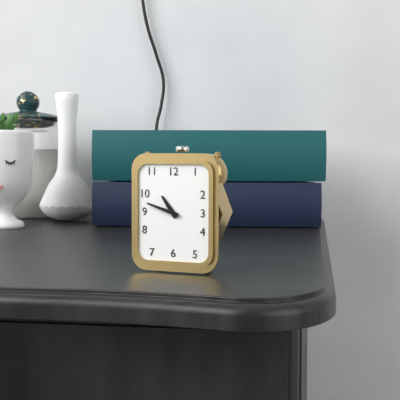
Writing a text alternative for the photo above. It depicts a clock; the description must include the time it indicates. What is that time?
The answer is 10:48
